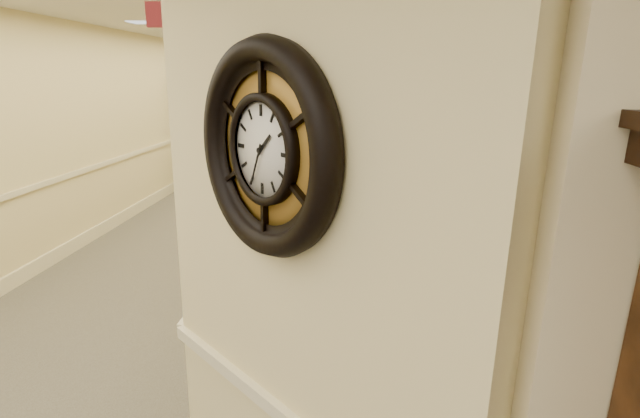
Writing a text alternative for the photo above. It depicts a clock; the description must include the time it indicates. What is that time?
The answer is 1:34
